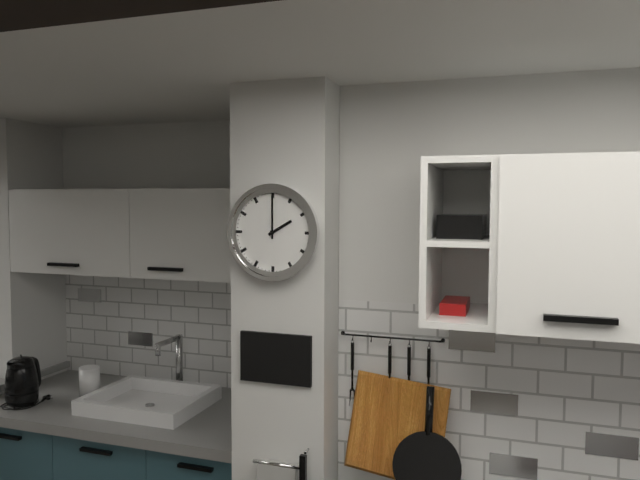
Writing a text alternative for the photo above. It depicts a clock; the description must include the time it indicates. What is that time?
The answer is 2:00
